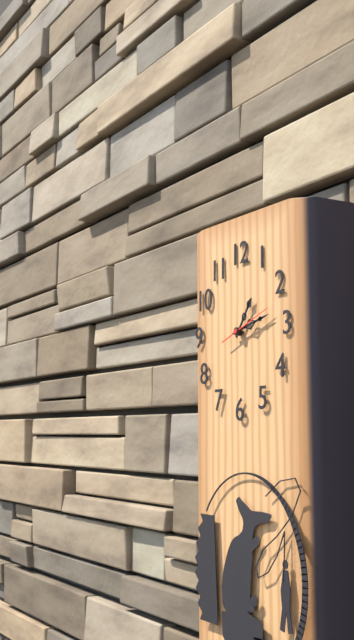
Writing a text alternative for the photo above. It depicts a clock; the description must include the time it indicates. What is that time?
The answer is 1:13
